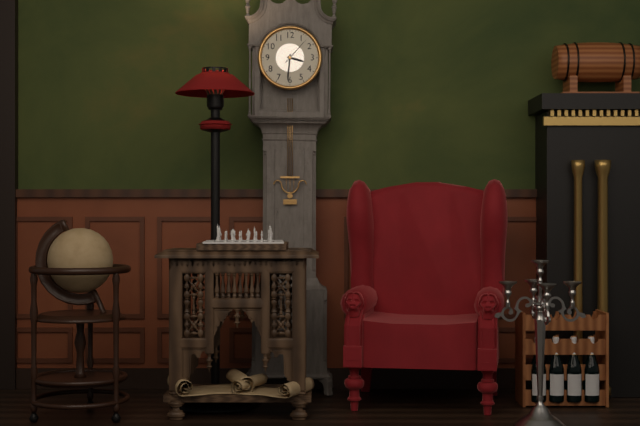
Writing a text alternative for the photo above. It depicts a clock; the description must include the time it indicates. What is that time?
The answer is 3:31
